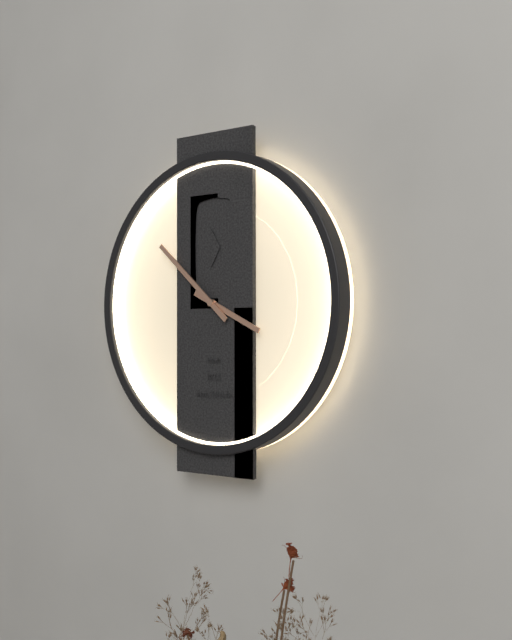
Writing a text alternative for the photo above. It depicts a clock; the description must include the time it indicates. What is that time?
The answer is 3:52
